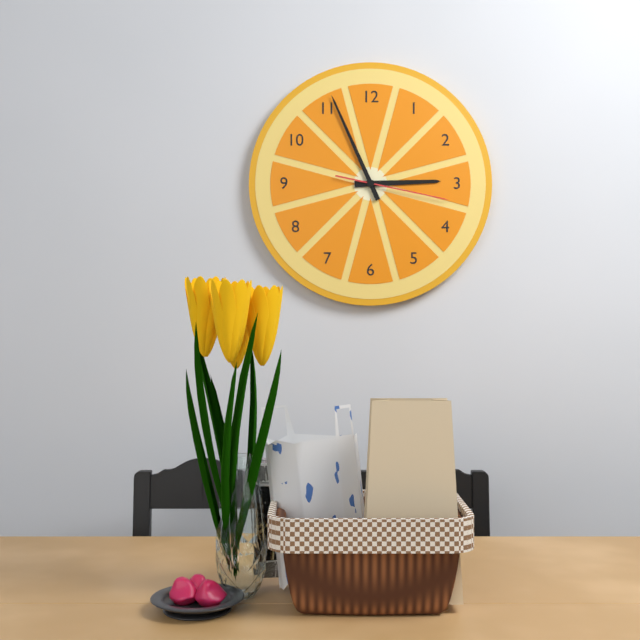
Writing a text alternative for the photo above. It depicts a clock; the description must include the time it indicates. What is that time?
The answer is 2:56:17
